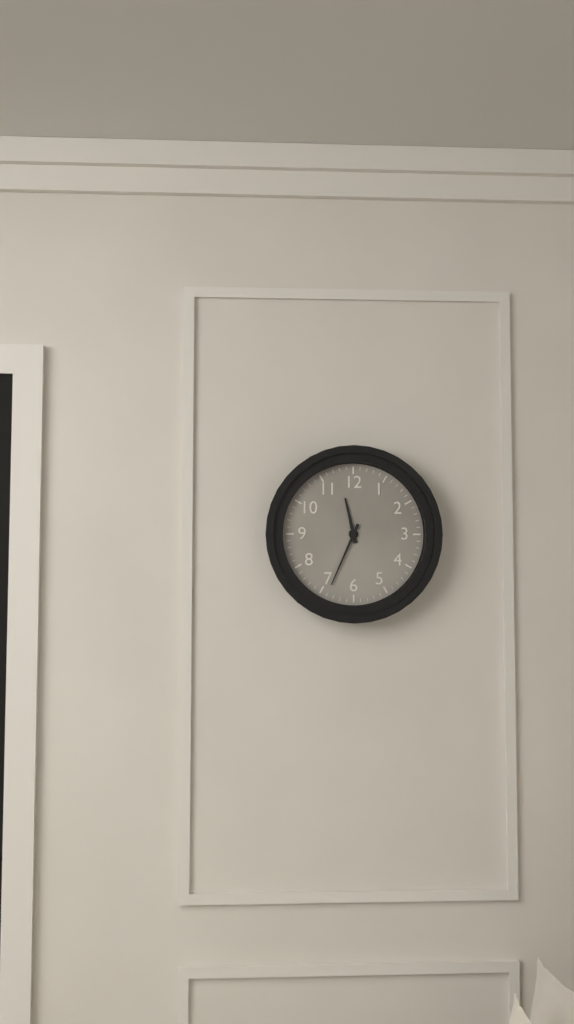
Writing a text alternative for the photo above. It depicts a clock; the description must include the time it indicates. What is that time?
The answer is 11:34
